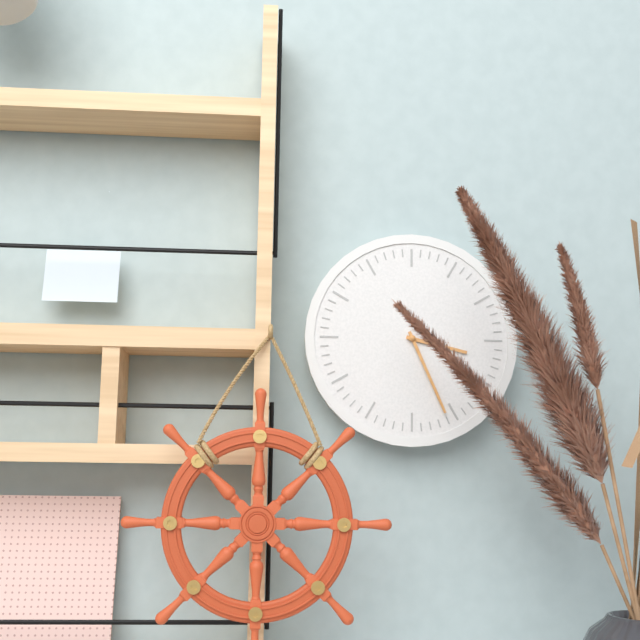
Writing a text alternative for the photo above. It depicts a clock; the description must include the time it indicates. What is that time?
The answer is 3:26
